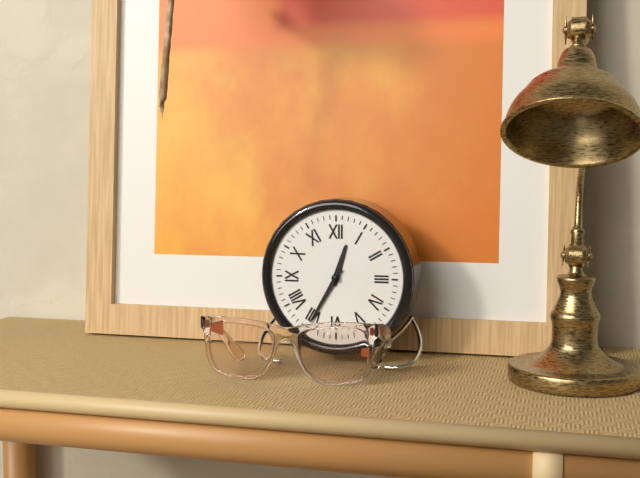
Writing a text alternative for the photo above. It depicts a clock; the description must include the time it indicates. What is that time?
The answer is 12:35
